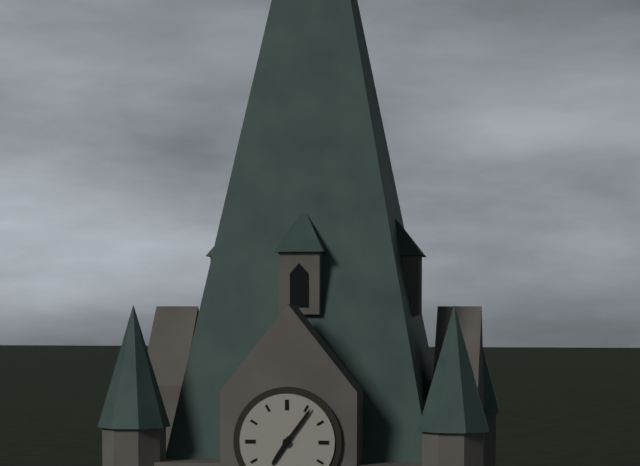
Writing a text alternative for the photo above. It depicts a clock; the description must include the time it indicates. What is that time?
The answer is 7:06
